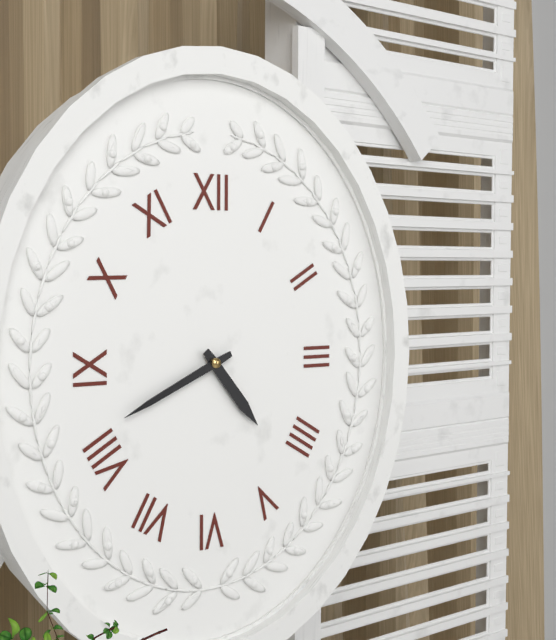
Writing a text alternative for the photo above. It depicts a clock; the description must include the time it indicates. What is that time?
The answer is 4:41
